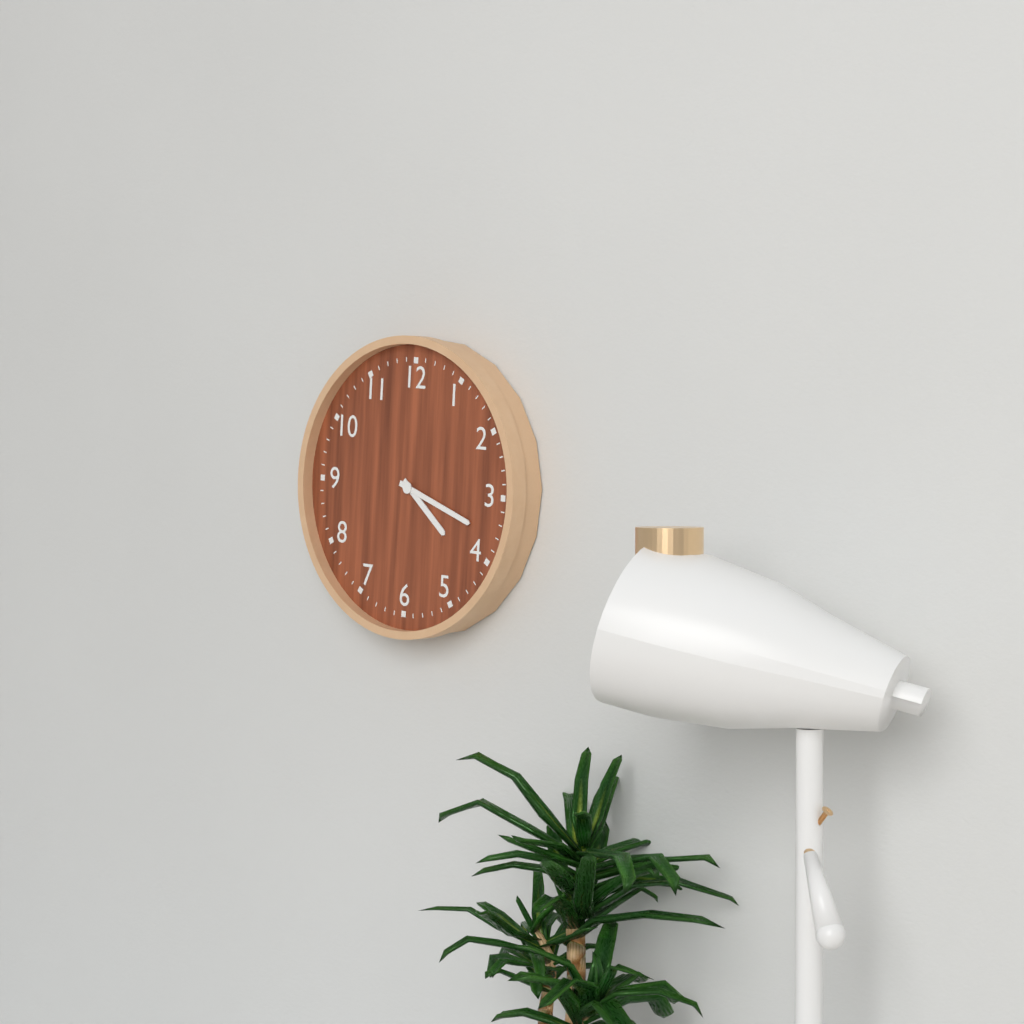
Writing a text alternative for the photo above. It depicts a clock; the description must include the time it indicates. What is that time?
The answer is 4:18
